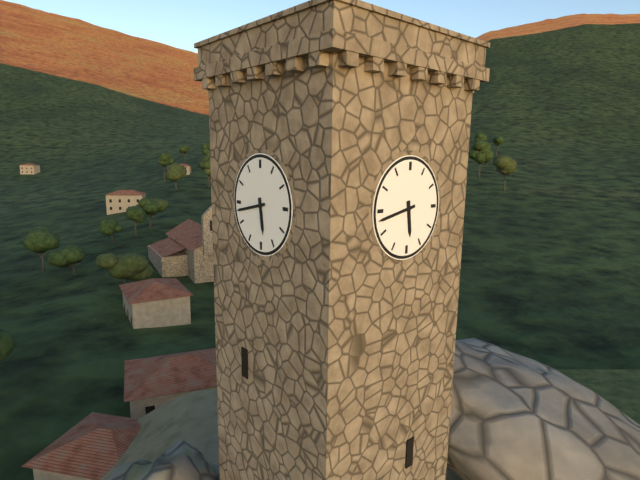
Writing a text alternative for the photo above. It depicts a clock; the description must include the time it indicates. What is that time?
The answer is 5:43
